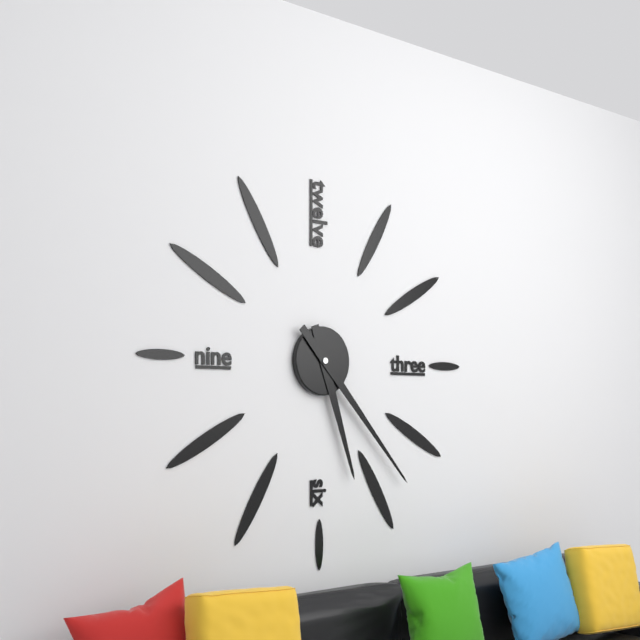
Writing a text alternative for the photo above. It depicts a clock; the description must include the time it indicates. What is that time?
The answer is 5:23
